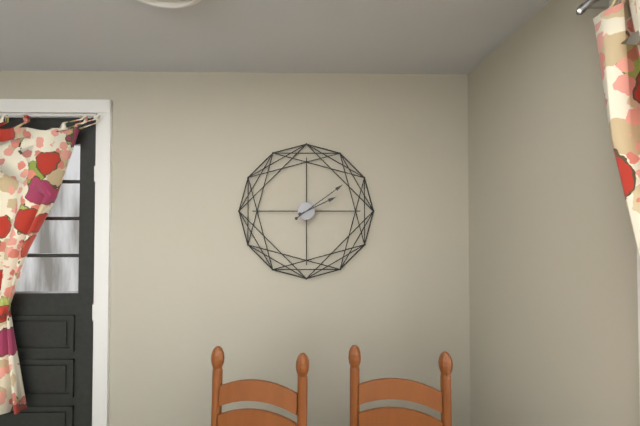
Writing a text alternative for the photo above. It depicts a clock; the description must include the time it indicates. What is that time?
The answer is 2:09
